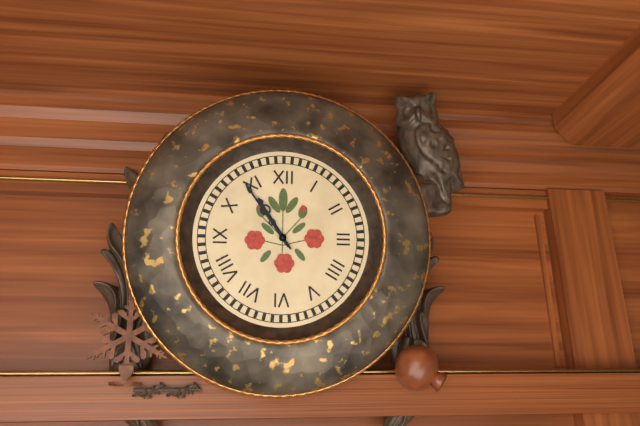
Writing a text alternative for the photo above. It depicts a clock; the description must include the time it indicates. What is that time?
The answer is 10:54
